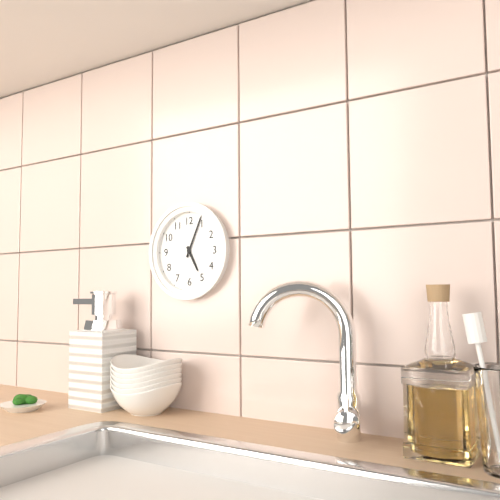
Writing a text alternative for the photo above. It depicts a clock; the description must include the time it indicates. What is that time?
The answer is 5:04
